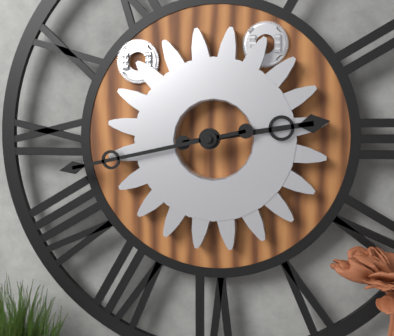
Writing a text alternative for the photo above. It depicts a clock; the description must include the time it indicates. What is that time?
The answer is 2:43
